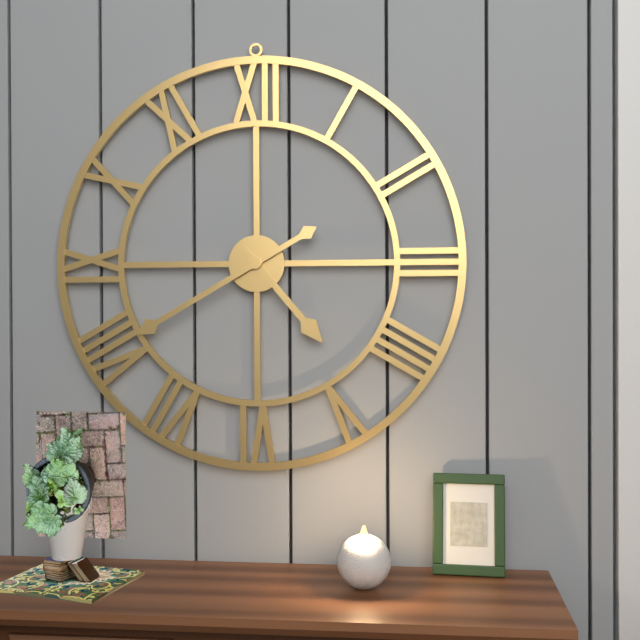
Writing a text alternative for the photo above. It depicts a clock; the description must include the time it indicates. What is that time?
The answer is 4:40
